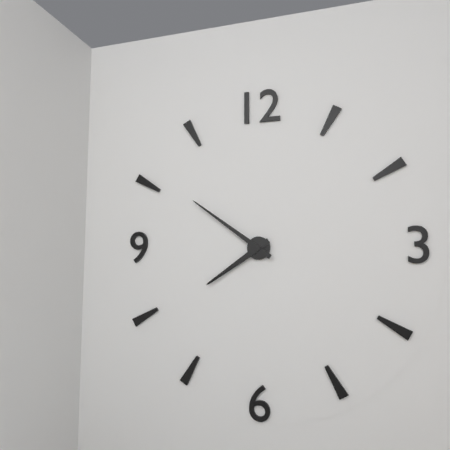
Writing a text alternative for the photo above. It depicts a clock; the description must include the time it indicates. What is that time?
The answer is 7:51
